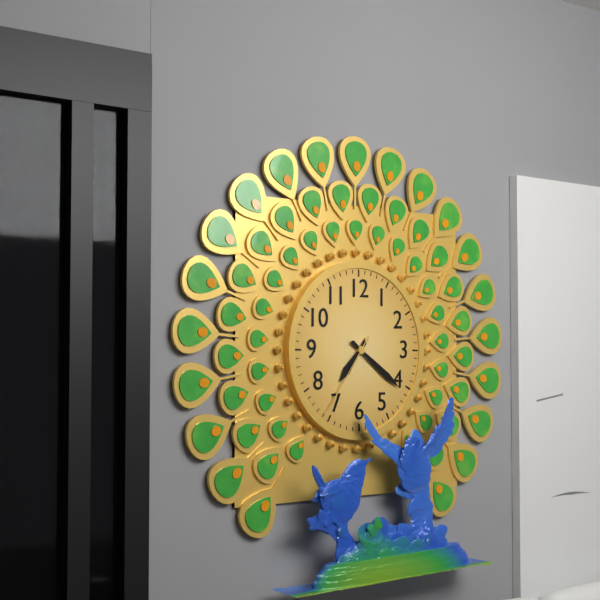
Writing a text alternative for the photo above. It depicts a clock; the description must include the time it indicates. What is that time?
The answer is 7:21:36
